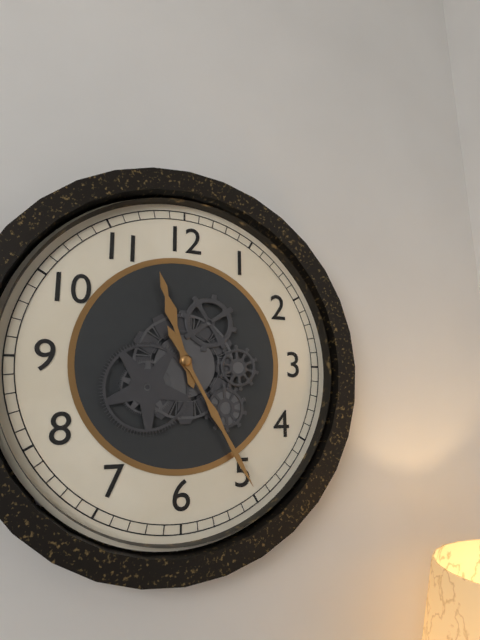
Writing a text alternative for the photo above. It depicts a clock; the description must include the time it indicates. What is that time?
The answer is 11:25
